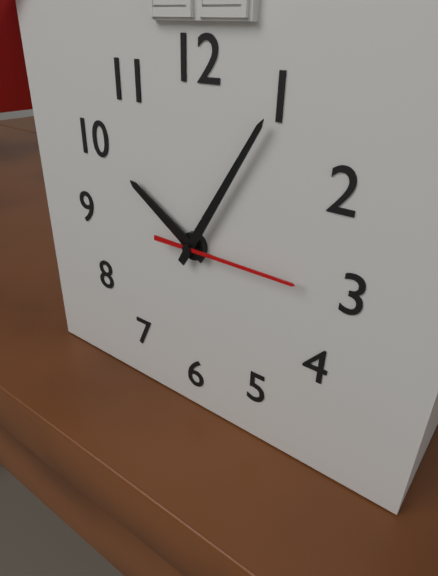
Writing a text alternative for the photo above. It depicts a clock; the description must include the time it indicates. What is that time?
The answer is 10:05:15
